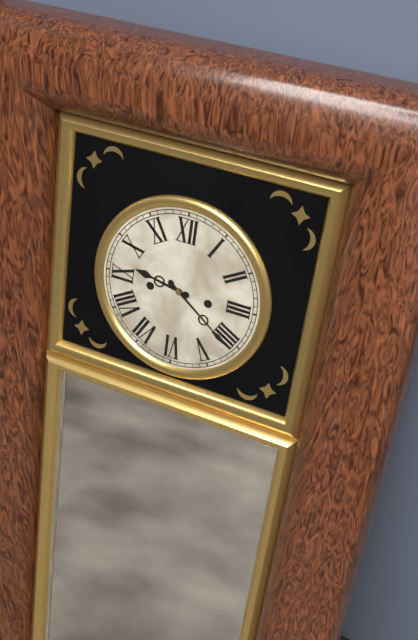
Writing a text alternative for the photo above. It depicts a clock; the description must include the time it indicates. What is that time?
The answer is 9:21
